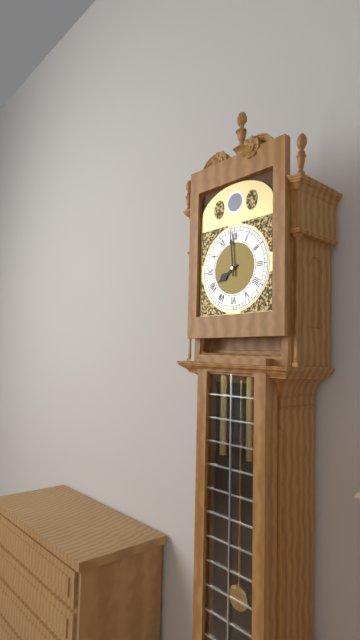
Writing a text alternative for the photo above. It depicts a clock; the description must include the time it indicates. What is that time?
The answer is 7:59
